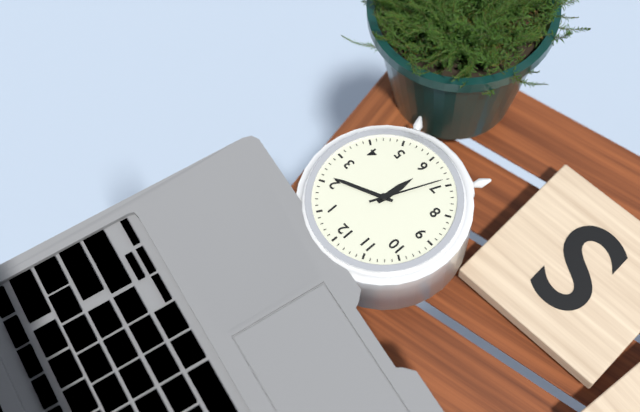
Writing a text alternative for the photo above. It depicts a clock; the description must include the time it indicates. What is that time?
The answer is 6:11:34
